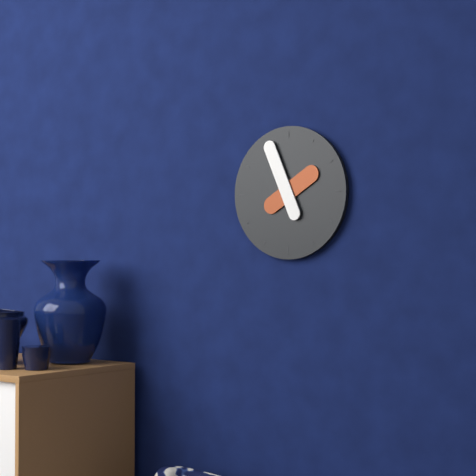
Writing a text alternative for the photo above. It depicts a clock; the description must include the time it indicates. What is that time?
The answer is 1:56
